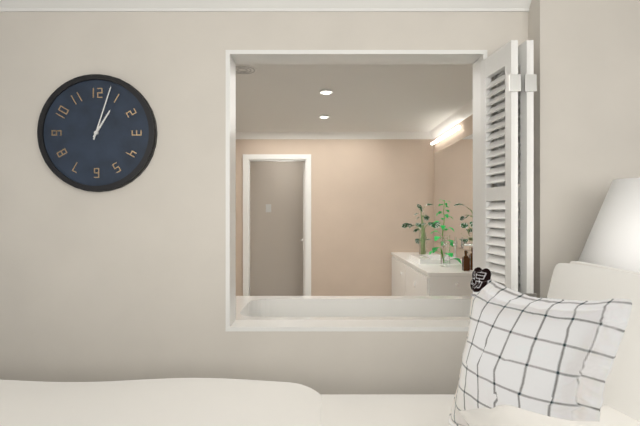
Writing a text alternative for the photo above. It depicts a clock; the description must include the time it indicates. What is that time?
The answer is 1:03
